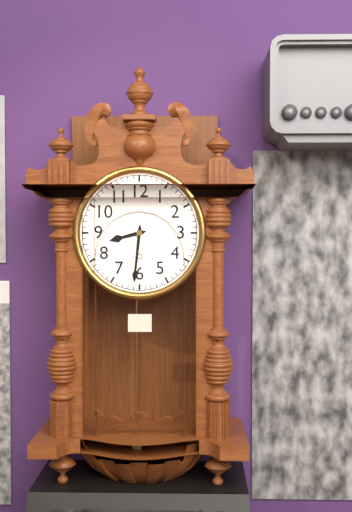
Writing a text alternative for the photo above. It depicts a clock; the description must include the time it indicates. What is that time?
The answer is 8:31
